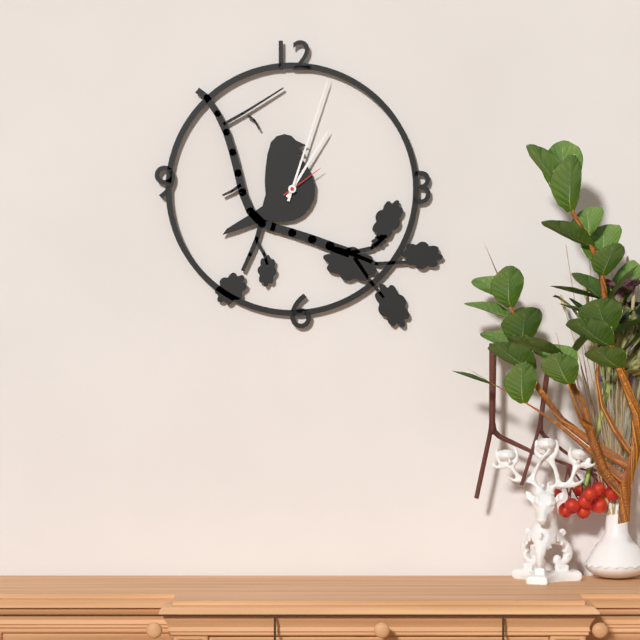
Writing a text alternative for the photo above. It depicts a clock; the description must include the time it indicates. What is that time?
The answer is 1:03
